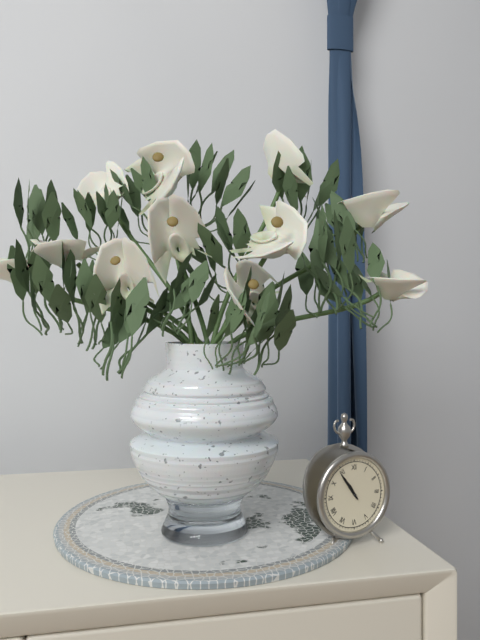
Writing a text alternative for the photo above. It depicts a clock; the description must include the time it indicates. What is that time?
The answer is 10:54
